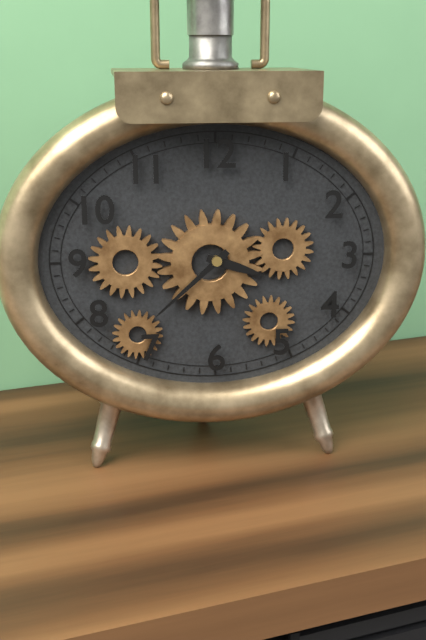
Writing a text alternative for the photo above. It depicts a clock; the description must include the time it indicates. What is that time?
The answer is 3:38
